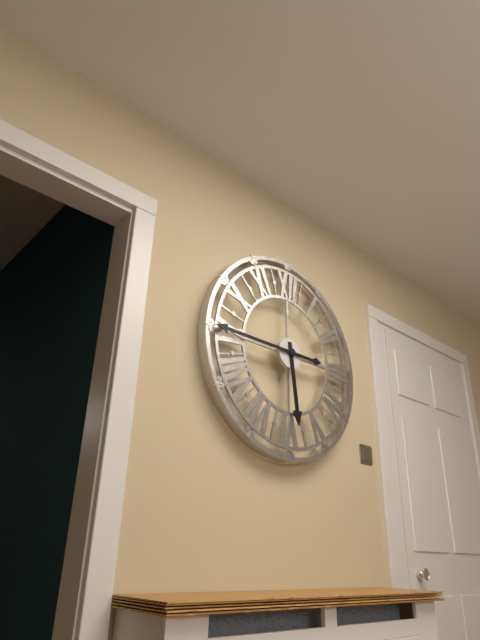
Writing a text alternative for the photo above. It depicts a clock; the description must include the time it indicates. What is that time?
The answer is 5:45
